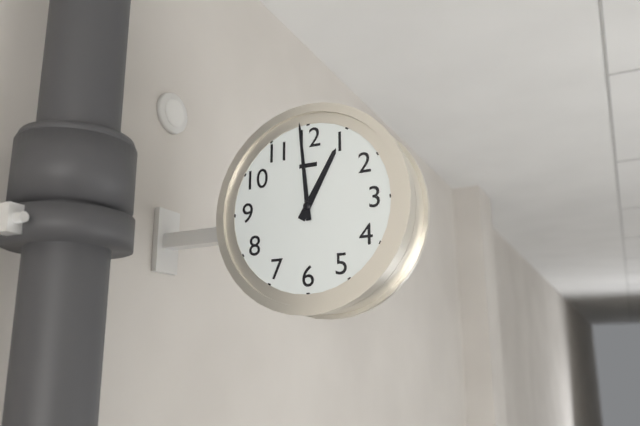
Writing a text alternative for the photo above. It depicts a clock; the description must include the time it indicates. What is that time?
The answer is 12:59
